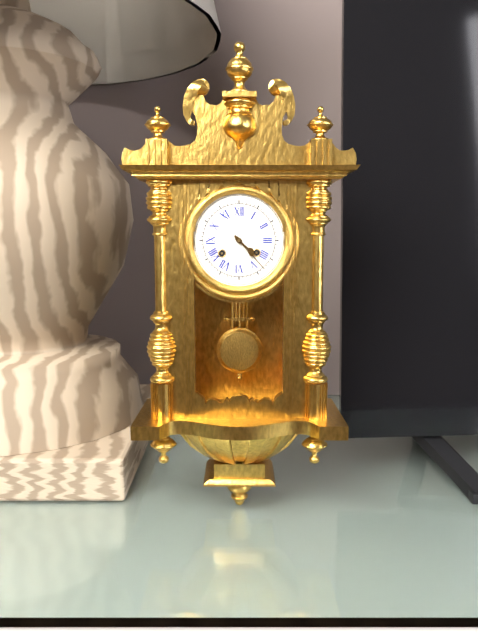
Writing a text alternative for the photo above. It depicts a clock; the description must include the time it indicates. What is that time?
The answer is 4:23
